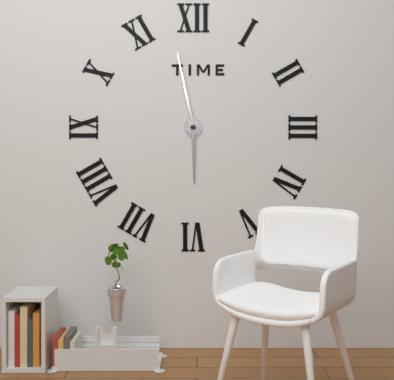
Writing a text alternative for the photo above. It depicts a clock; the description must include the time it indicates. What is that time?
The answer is 5:58
